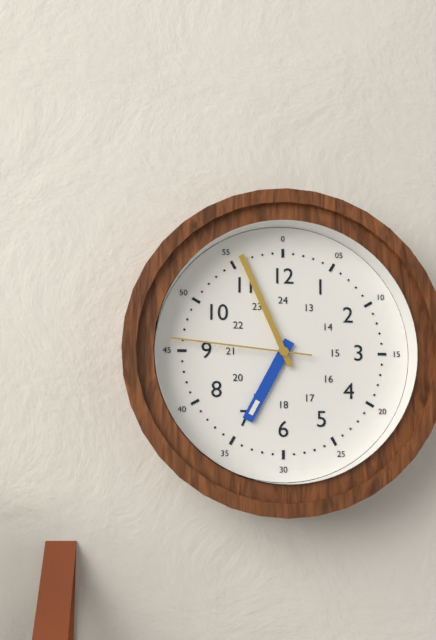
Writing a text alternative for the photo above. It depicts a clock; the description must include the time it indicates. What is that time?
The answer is 6:56:46
